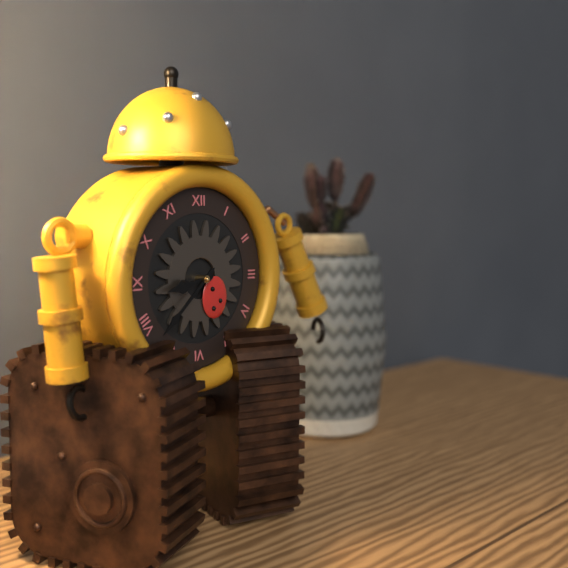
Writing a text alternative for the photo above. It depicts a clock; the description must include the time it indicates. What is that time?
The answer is 8:38
